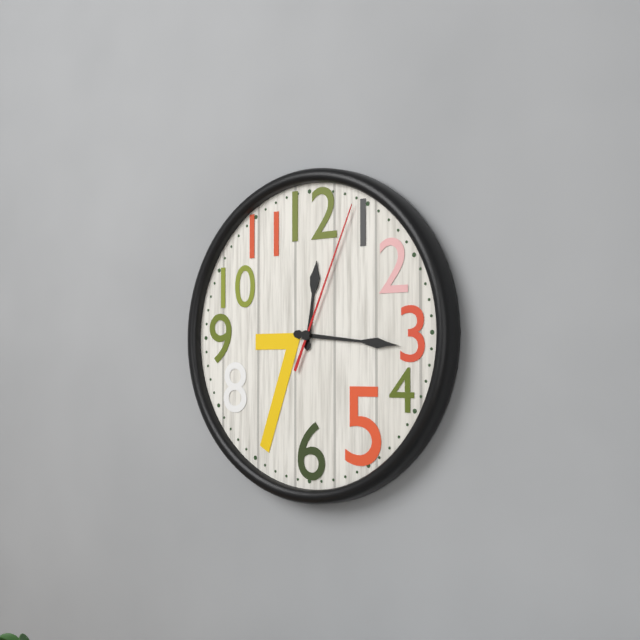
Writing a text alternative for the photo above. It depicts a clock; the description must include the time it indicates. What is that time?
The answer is 12:16:04
